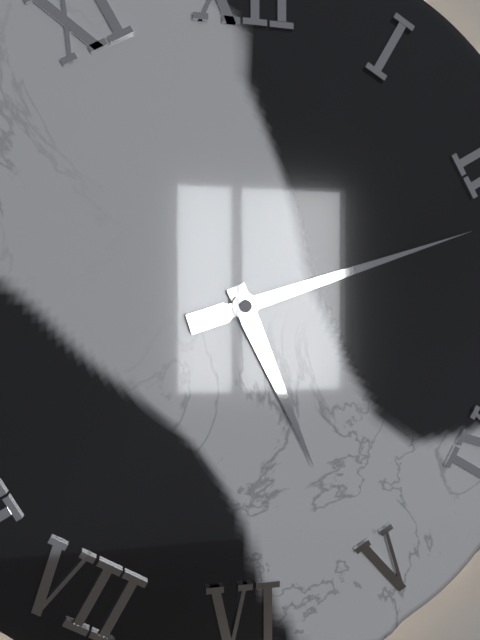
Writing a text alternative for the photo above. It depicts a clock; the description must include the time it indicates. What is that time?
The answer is 5:12
